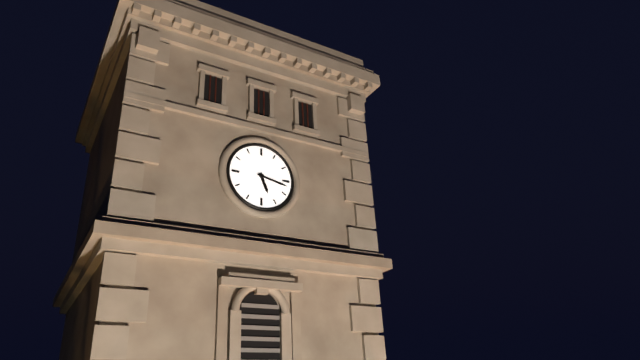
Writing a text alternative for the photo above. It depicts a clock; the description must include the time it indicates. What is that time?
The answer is 5:17
